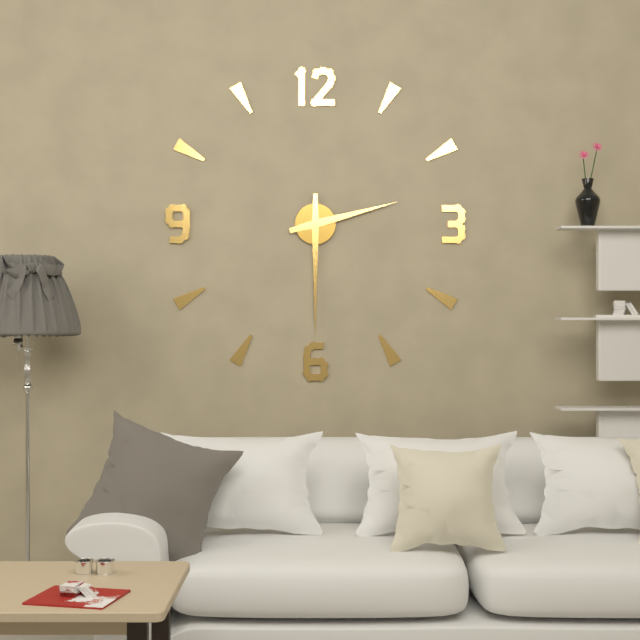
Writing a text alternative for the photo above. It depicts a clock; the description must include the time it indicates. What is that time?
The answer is 2:30
